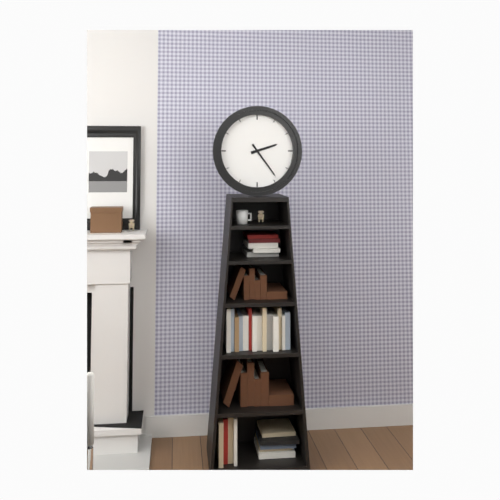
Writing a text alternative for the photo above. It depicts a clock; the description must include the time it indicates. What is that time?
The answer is 2:24
